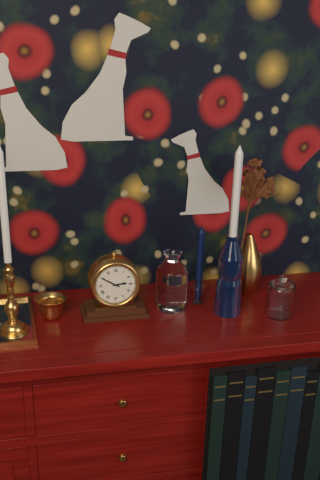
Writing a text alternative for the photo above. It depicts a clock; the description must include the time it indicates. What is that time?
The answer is 2:50
